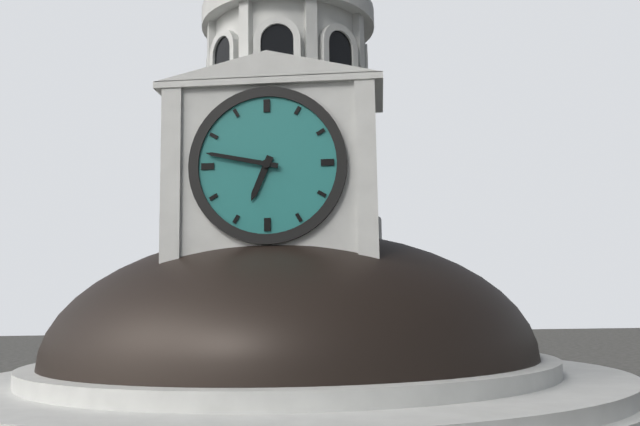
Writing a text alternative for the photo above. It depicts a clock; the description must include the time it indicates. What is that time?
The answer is 6:47
